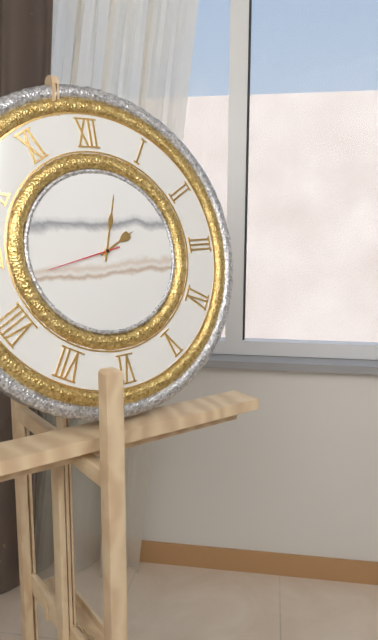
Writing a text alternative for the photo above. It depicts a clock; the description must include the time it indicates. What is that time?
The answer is 2:03:43
